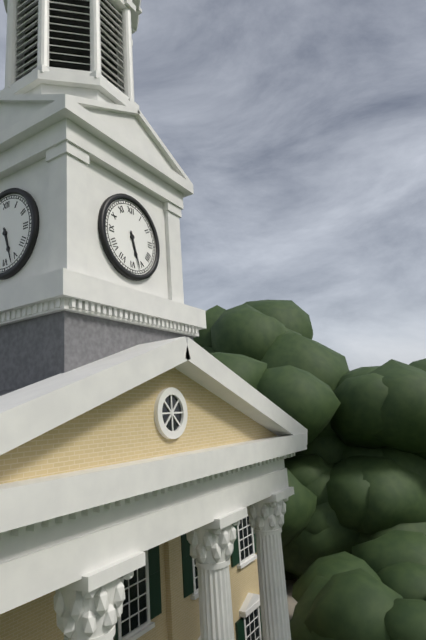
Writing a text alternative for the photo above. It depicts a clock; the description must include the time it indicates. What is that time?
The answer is 5:27
